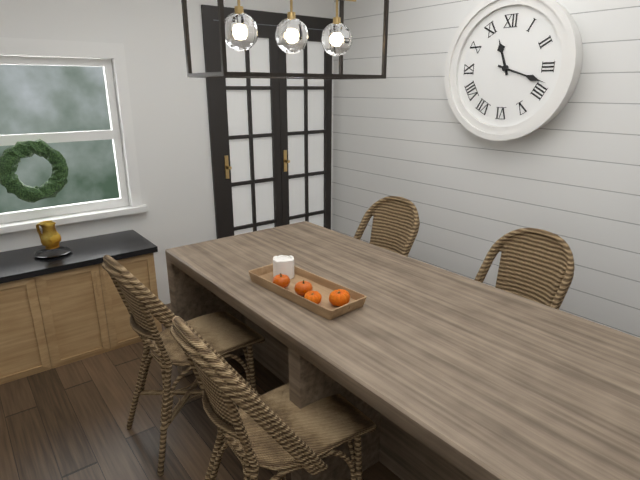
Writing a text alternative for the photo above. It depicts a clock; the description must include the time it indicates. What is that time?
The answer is 11:18
